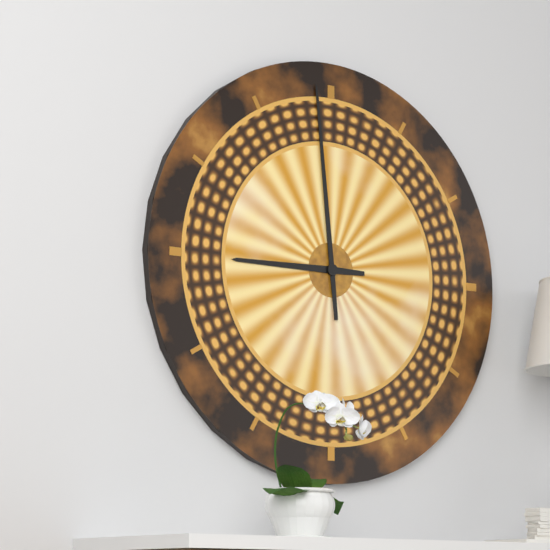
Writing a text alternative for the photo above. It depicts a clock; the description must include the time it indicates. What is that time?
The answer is 8:59
